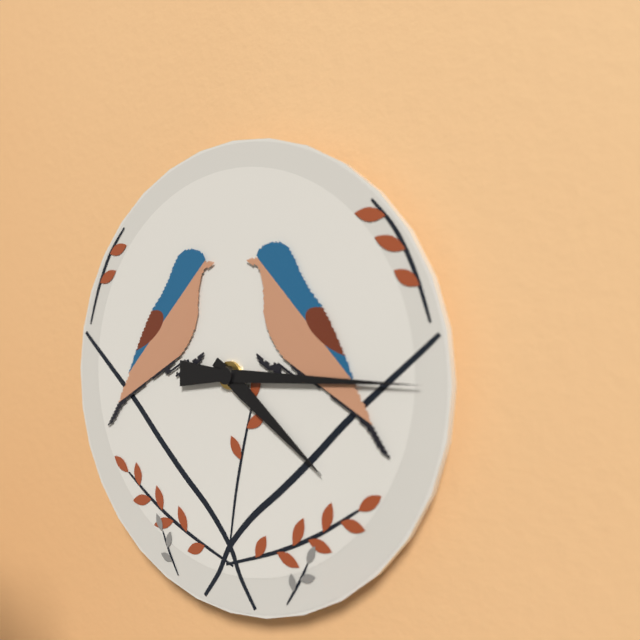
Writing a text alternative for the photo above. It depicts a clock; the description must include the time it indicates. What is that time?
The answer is 4:15
